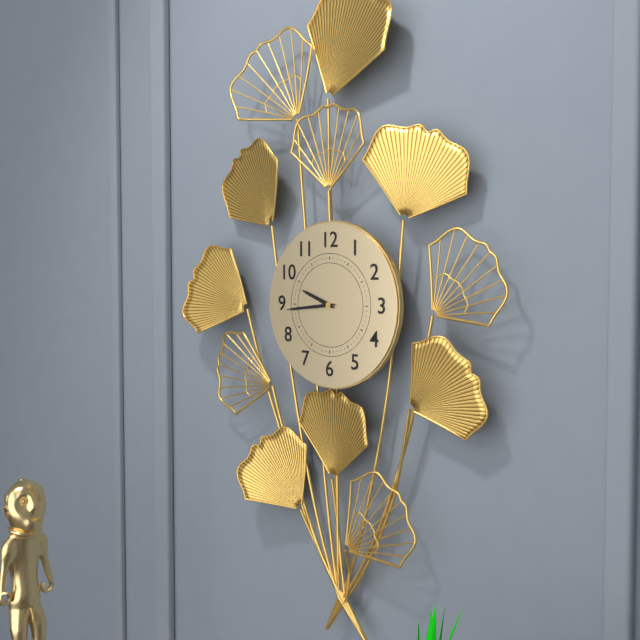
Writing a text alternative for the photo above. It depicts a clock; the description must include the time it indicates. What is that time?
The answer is 9:44
